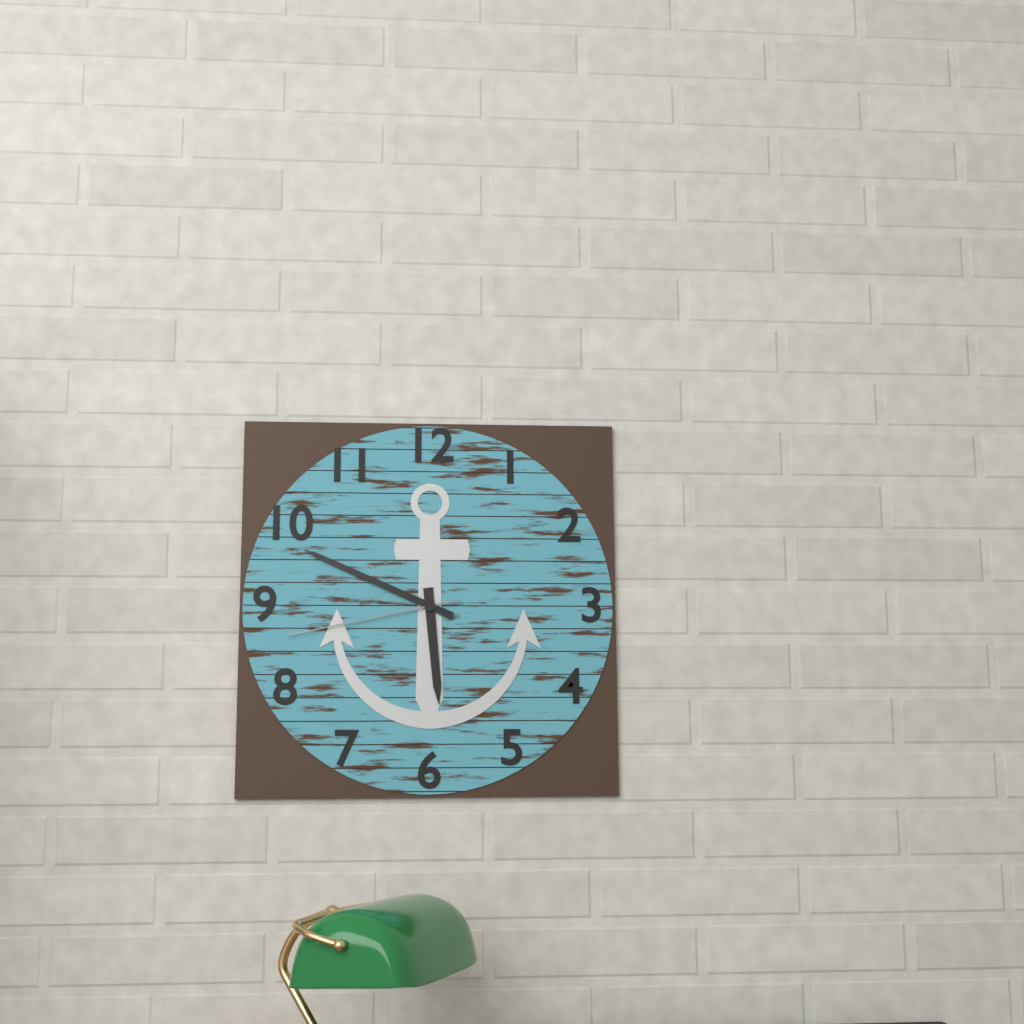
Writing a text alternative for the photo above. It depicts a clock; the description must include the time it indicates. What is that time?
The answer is 5:49:43
